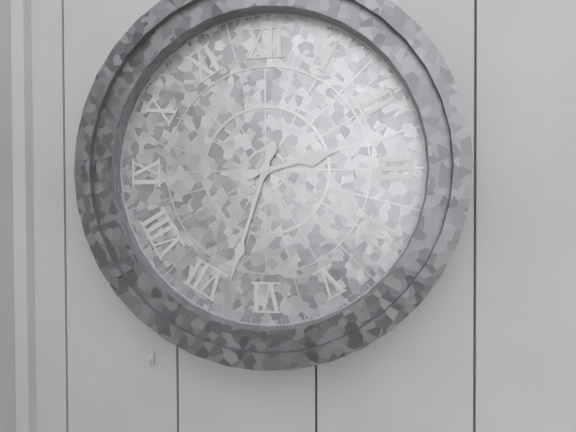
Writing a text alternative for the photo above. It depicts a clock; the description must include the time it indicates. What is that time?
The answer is 2:33
